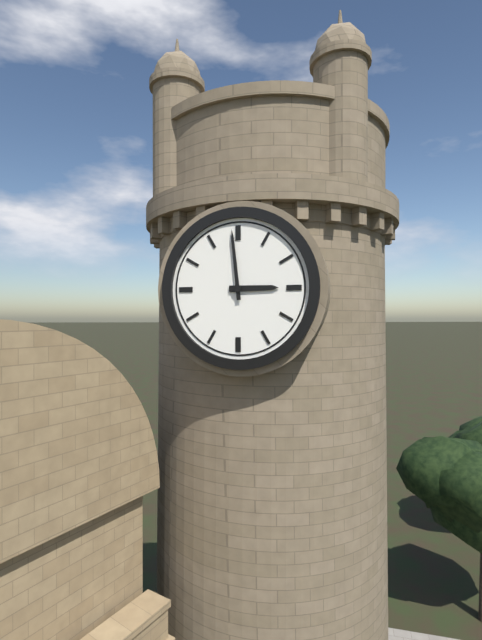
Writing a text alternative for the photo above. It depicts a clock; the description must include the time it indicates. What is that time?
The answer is 2:59
